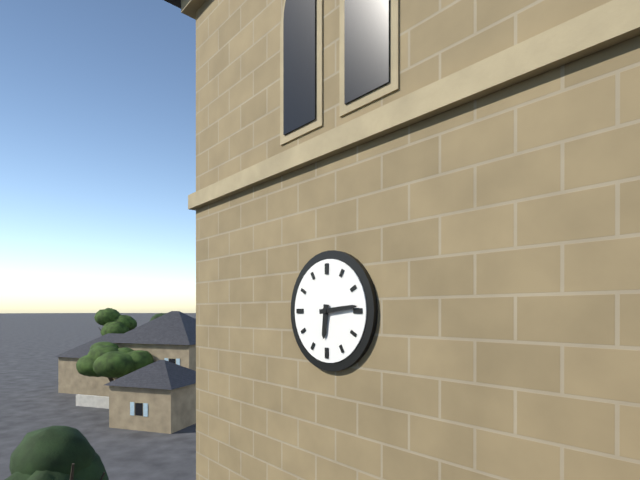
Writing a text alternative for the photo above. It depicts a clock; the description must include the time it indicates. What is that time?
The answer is 6:14
